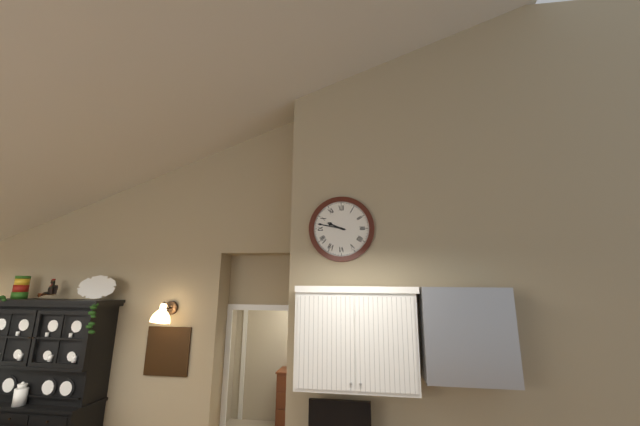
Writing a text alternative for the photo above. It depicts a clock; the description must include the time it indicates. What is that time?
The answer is 9:47
